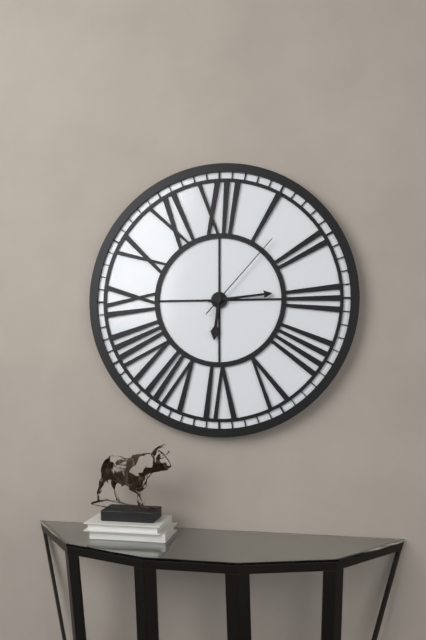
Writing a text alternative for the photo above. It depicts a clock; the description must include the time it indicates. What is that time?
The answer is 6:14:07
